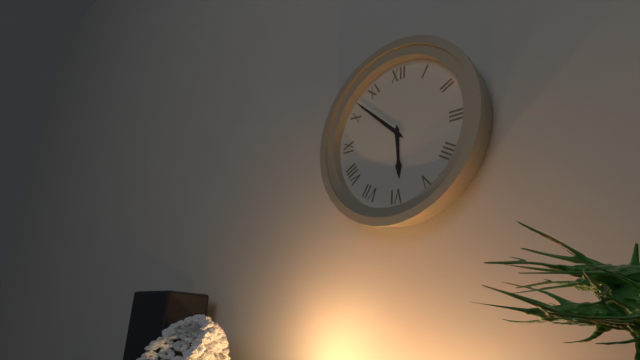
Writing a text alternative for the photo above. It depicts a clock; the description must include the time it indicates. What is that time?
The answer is 5:52
